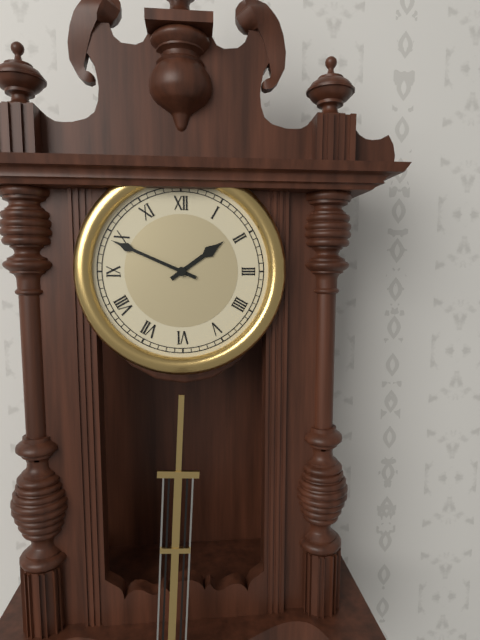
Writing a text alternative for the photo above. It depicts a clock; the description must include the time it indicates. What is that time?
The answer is 1:49
